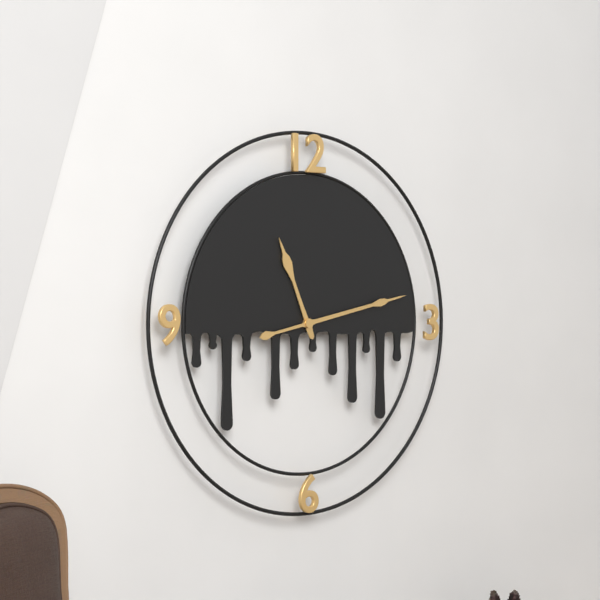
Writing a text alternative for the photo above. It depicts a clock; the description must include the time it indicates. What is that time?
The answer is 11:13
